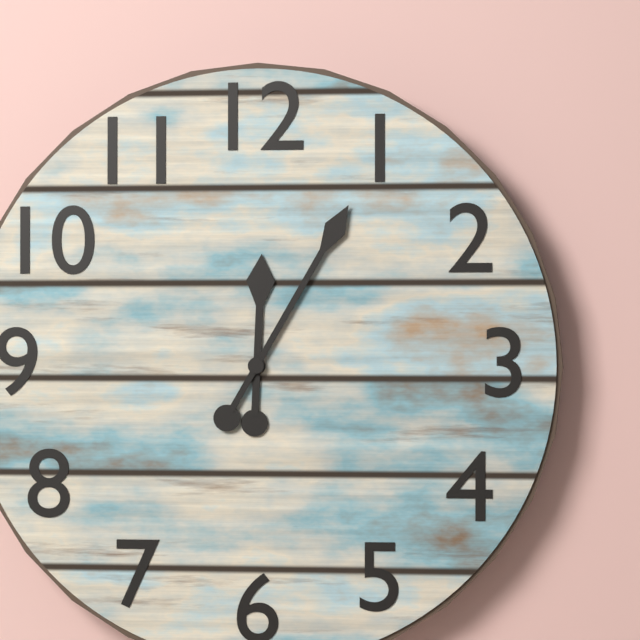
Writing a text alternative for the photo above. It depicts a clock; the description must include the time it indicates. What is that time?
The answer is 12:05
